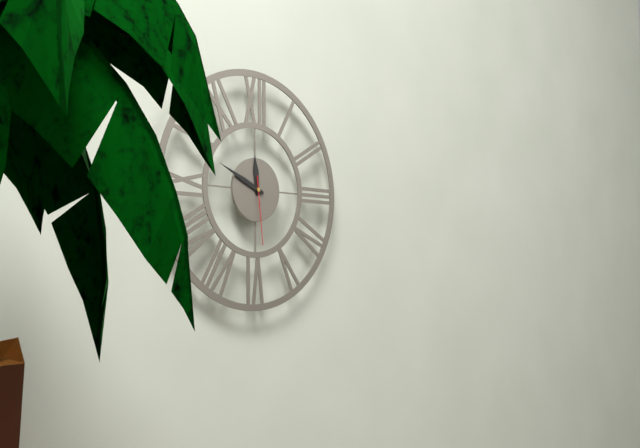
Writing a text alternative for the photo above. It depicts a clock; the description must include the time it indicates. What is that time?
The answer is 11:49:29
